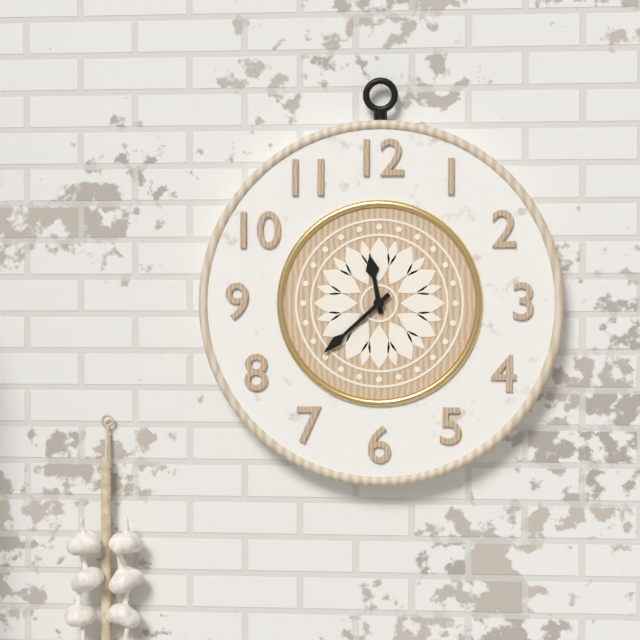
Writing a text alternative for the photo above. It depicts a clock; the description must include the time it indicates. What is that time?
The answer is 11:38
